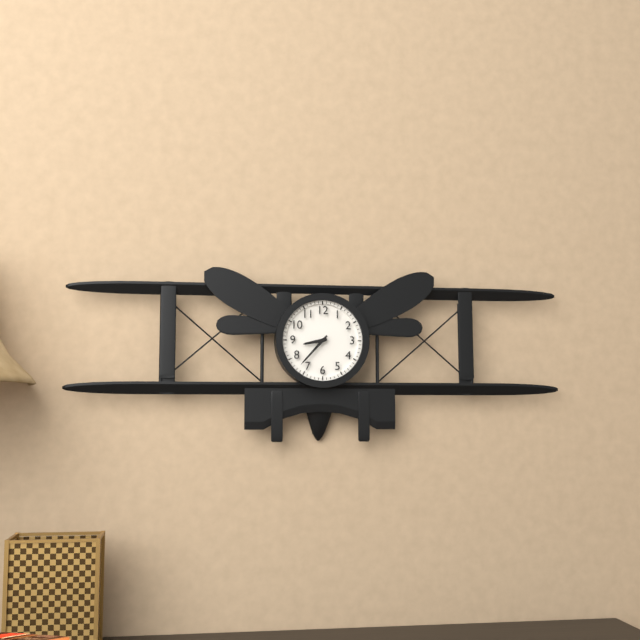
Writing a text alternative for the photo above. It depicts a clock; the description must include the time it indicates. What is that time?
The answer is 8:37
